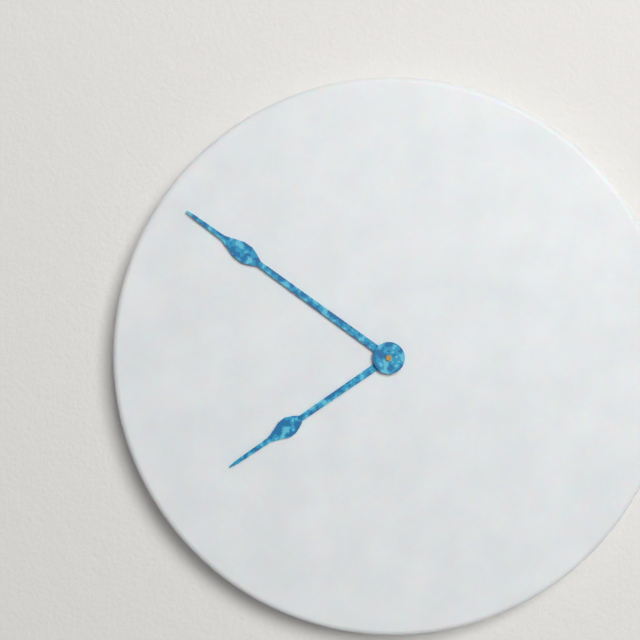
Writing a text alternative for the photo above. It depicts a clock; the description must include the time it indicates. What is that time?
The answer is 7:51
